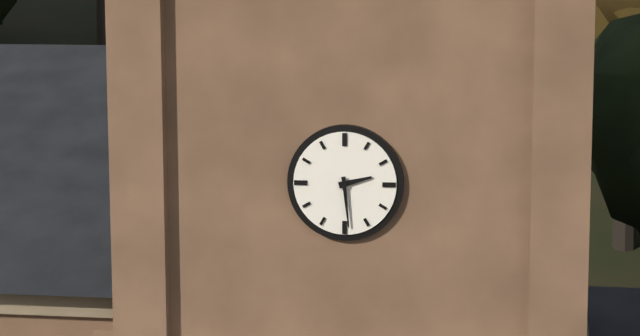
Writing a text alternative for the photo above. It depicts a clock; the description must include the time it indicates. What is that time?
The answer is 2:29
